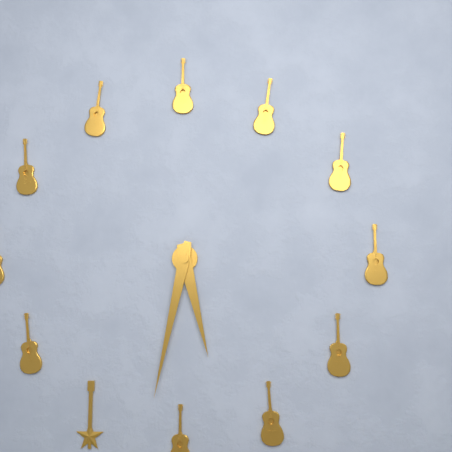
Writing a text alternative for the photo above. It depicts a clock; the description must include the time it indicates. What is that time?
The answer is 5:32
